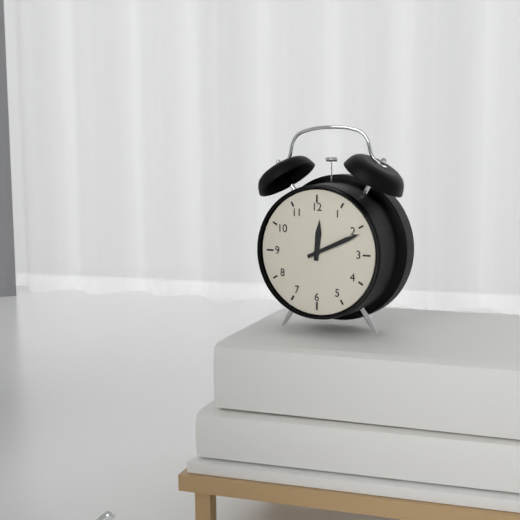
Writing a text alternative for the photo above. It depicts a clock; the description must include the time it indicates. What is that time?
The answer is 12:11
